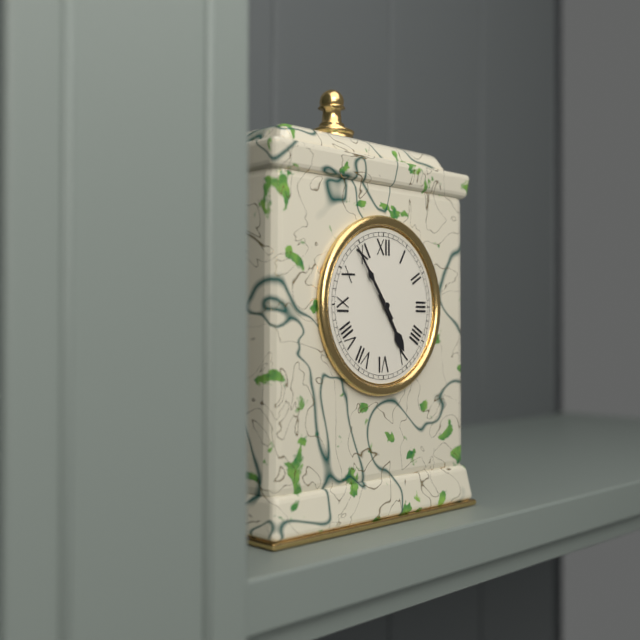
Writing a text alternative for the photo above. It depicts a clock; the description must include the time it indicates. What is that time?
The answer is 4:54
